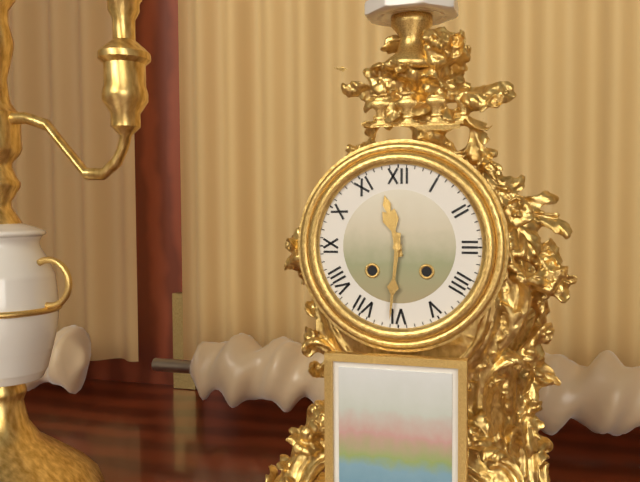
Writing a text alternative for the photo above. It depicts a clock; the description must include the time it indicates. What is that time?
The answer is 11:31
